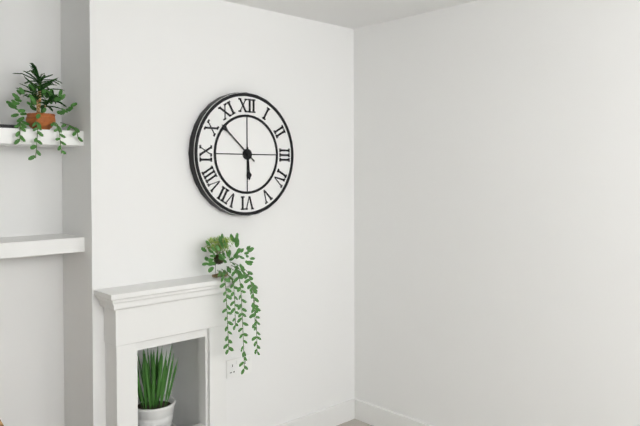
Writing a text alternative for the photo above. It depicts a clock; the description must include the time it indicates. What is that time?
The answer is 5:52
